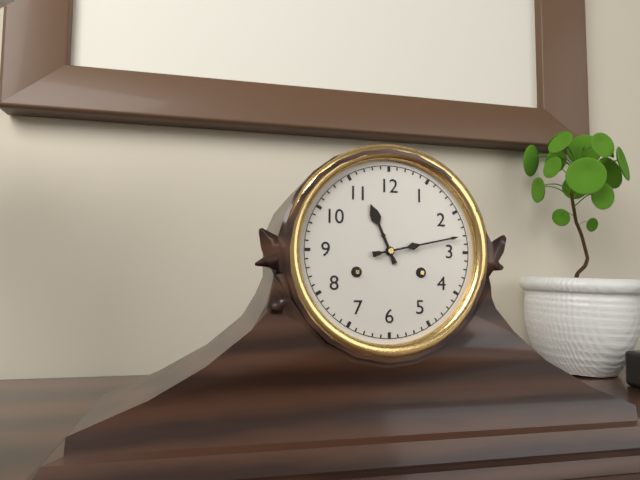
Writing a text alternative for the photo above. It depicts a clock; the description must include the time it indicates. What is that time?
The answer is 11:13
